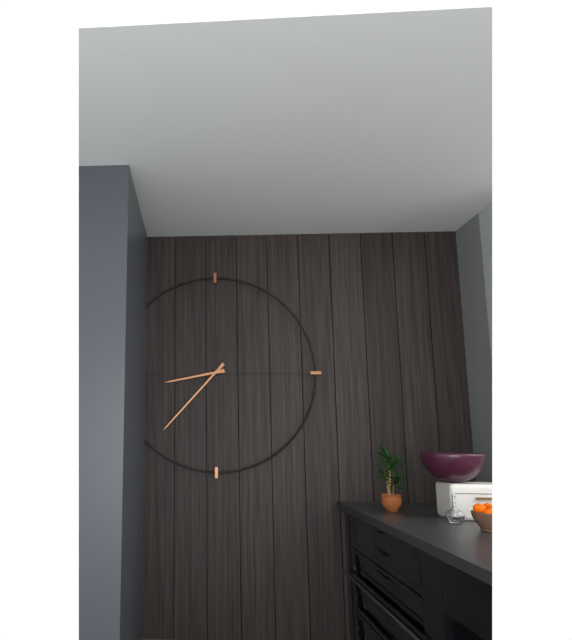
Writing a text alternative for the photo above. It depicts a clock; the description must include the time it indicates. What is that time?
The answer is 8:37
